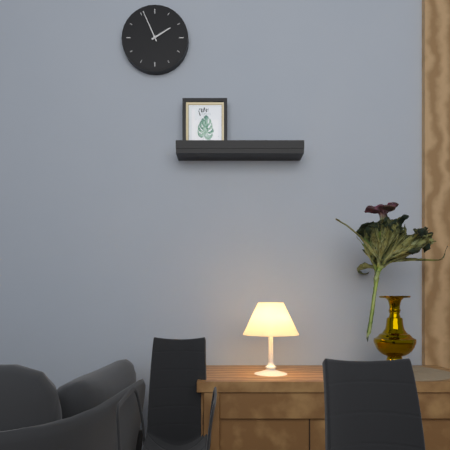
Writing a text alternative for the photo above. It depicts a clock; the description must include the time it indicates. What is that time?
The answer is 1:56
